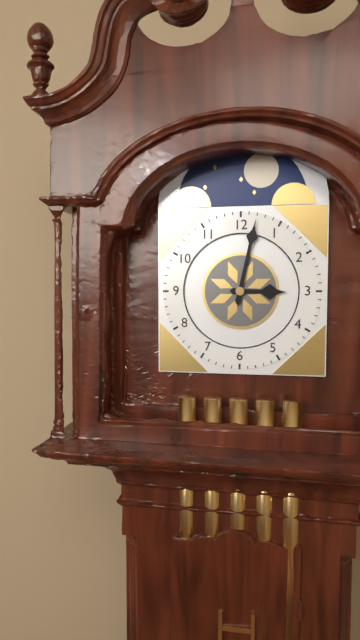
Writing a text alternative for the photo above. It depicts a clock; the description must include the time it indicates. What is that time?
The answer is 3:02
